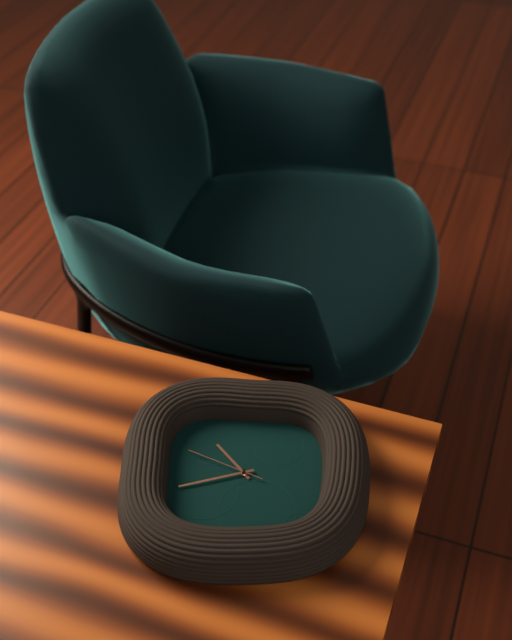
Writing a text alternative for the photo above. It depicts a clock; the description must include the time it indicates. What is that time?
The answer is 10:42:49
